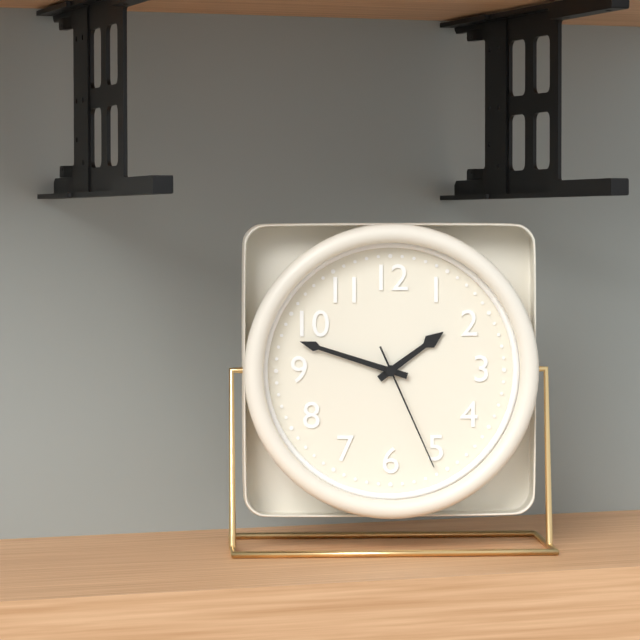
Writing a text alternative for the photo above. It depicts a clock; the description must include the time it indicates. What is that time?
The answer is 1:48:26
